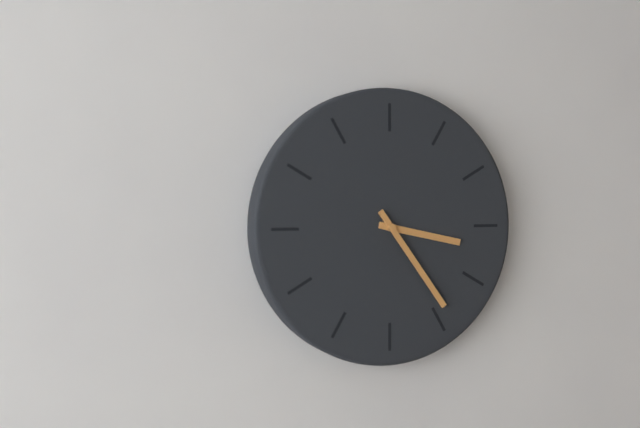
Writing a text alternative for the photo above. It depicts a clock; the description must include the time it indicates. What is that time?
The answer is 3:24
